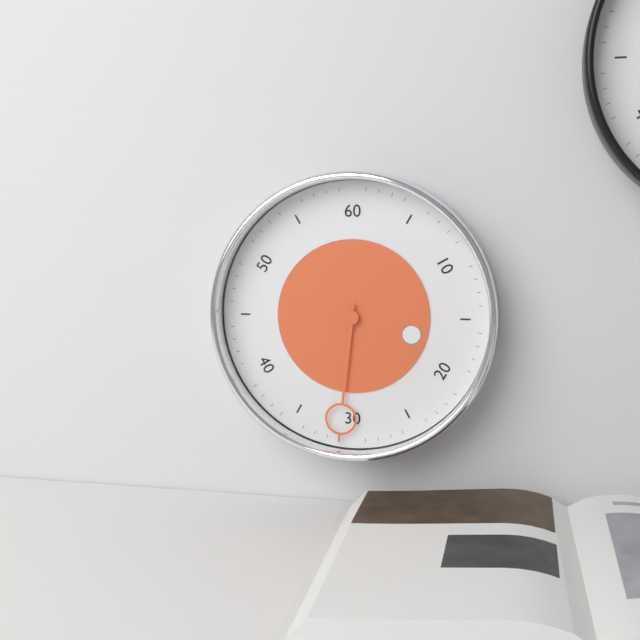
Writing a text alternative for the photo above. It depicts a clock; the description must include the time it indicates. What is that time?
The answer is 3:31
